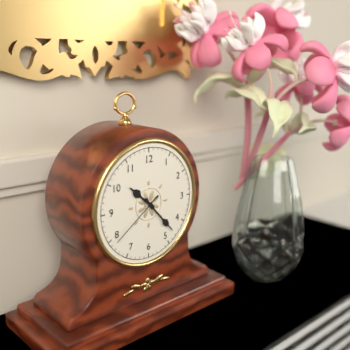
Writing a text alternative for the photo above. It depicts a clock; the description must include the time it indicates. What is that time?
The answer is 10:23:39
